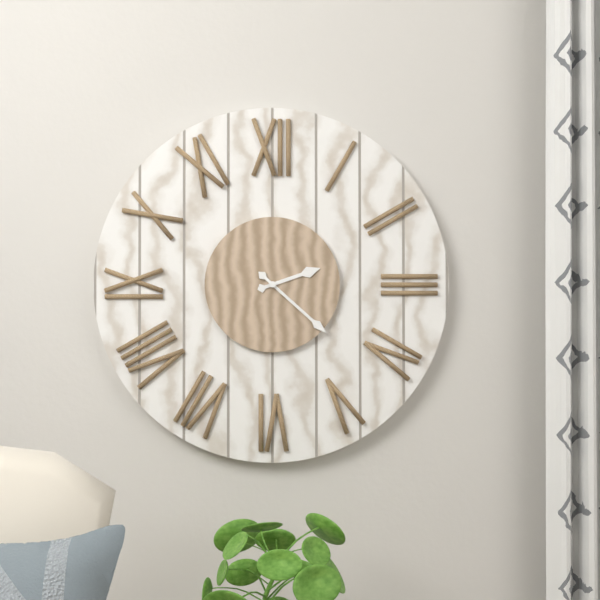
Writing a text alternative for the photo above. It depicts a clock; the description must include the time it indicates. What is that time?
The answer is 2:22
